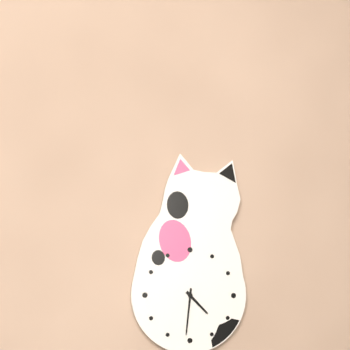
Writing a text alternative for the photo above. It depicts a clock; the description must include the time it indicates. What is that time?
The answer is 4:31
